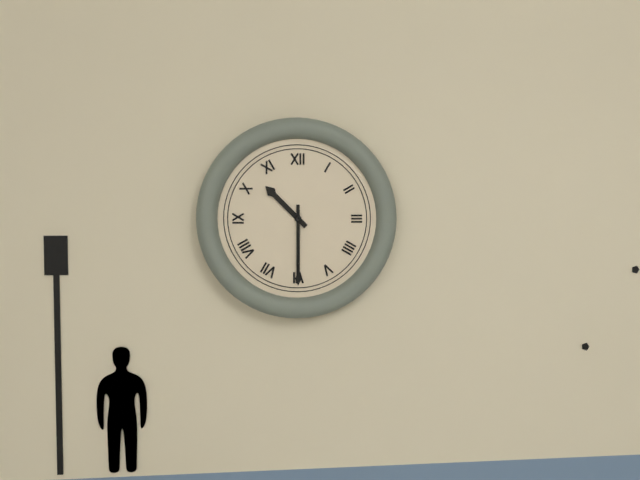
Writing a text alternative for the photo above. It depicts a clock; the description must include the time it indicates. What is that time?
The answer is 10:30
